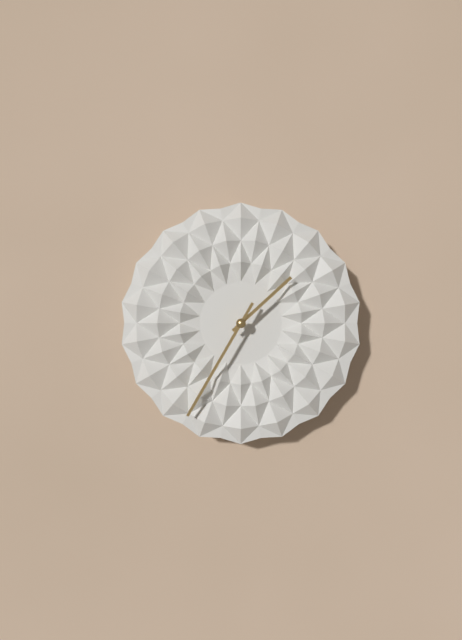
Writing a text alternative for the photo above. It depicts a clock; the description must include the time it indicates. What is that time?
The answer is 1:35
